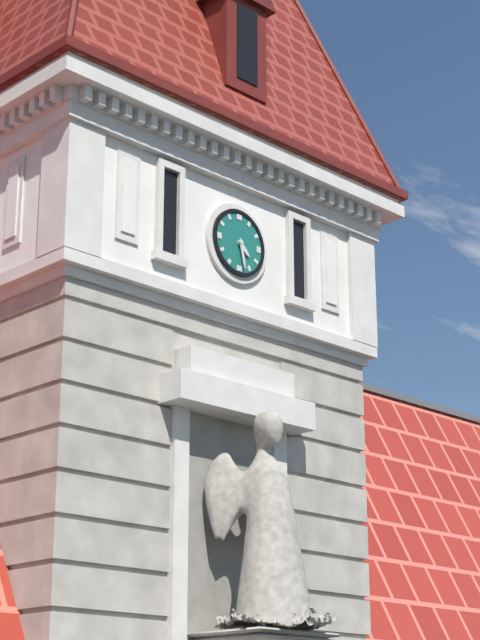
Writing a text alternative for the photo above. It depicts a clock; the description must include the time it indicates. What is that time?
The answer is 4:28
